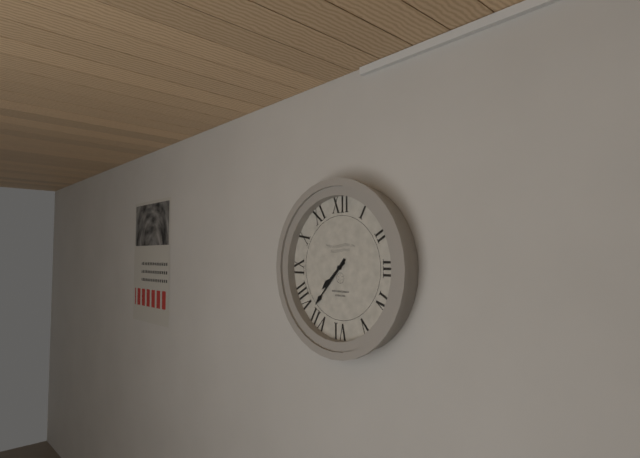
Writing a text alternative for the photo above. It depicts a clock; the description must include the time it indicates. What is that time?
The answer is 7:37
